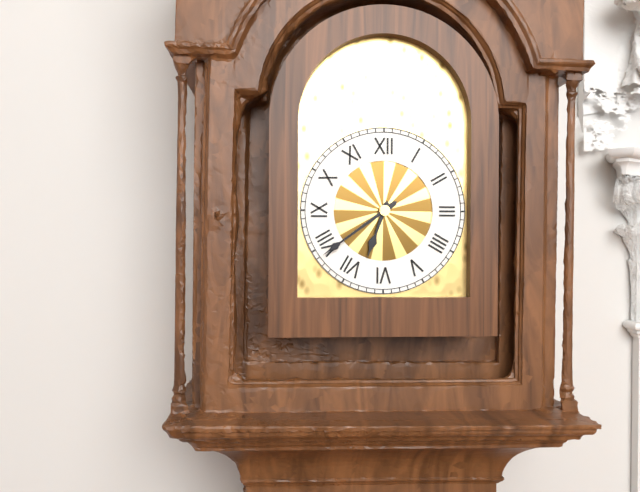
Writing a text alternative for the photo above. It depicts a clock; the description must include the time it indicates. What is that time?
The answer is 6:39
